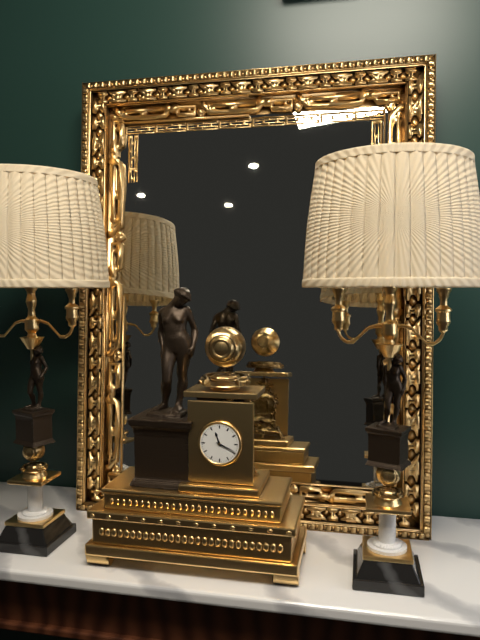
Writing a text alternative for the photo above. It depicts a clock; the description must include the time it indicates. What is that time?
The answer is 11:19
